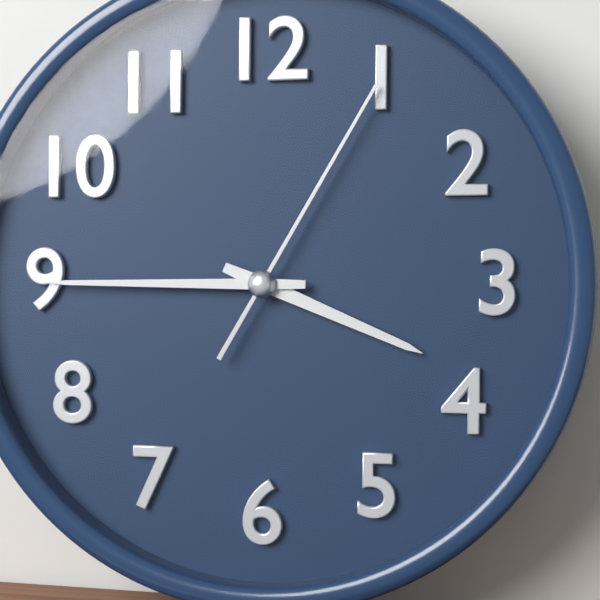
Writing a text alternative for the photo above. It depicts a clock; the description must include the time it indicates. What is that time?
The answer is 3:45:05
